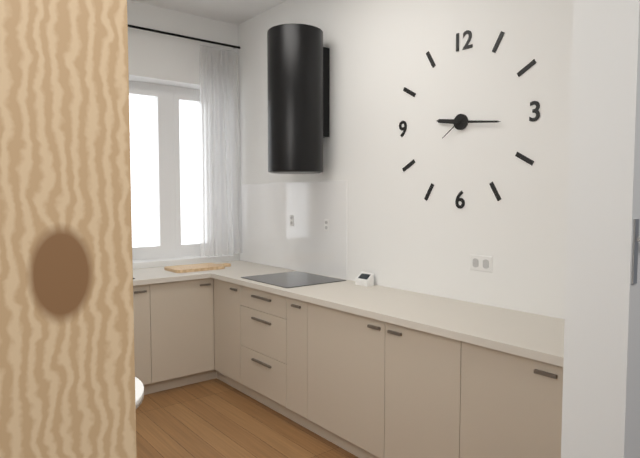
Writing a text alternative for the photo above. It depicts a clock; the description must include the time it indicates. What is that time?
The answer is 9:16
